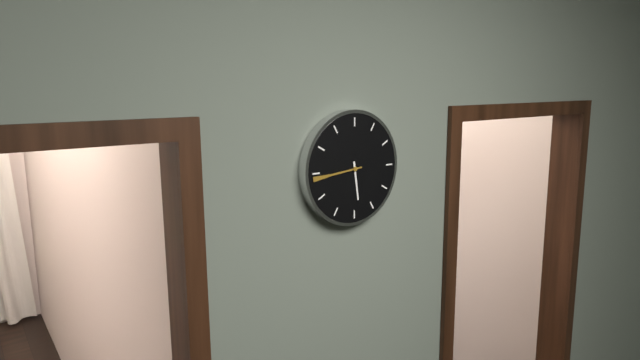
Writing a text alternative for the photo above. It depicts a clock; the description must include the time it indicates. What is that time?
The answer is 5:44
